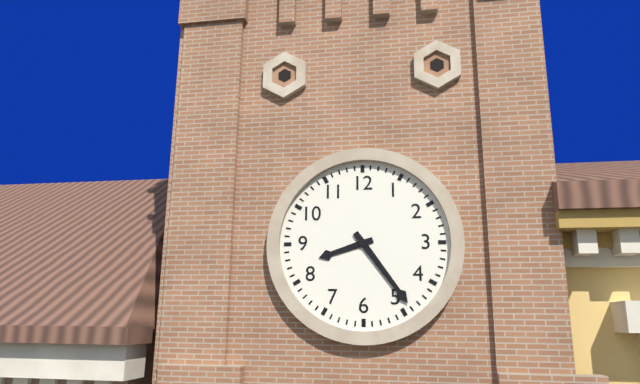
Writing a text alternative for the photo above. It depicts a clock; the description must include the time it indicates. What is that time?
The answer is 8:24
